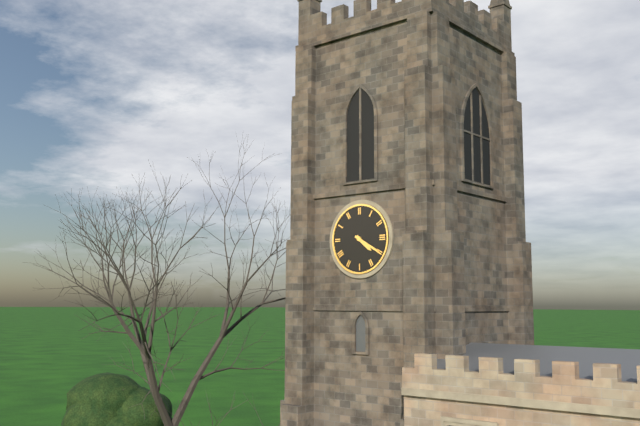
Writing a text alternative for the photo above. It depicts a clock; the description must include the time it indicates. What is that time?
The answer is 4:20
